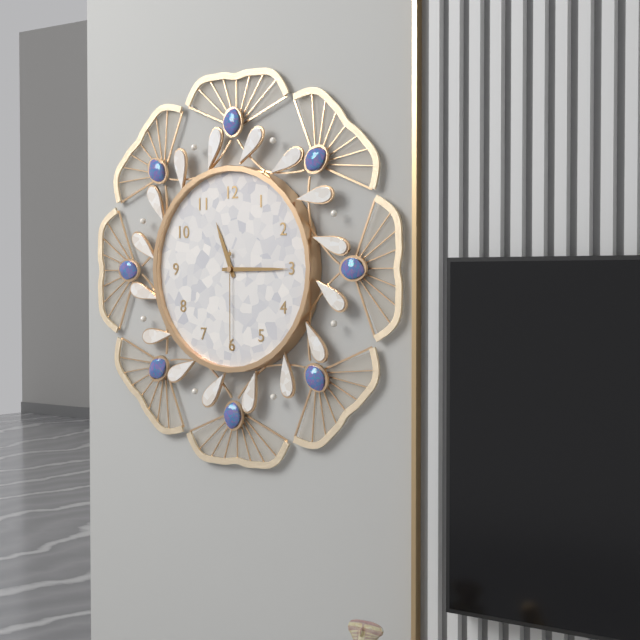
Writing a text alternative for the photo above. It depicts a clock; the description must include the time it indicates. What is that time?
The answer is 11:15:30
